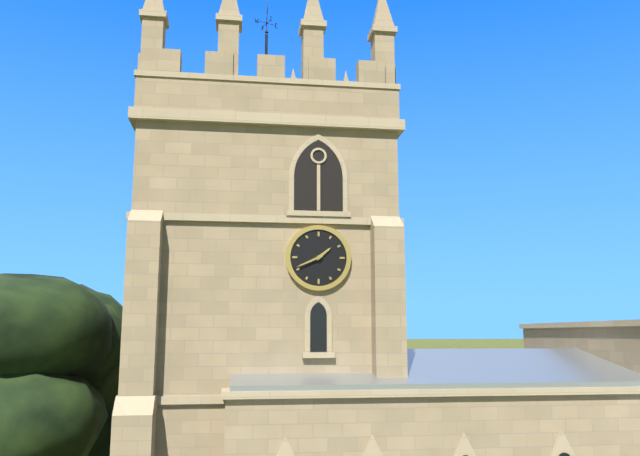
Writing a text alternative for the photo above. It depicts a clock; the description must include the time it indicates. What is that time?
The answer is 1:41
